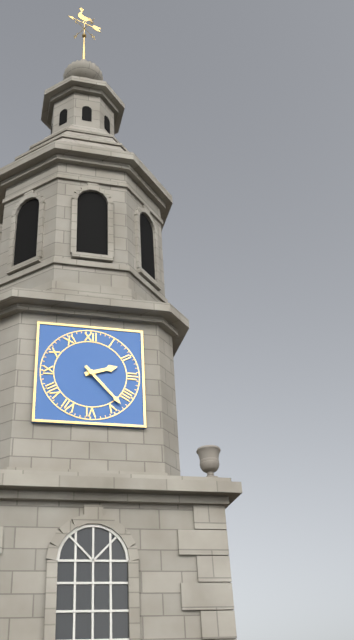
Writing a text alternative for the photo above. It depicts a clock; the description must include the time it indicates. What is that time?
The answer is 2:23
